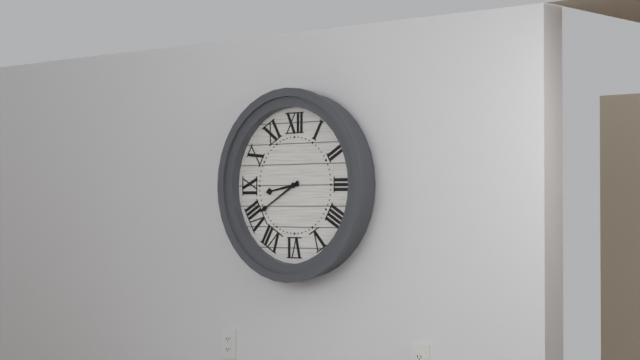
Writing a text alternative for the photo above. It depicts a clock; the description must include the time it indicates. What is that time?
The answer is 8:40
